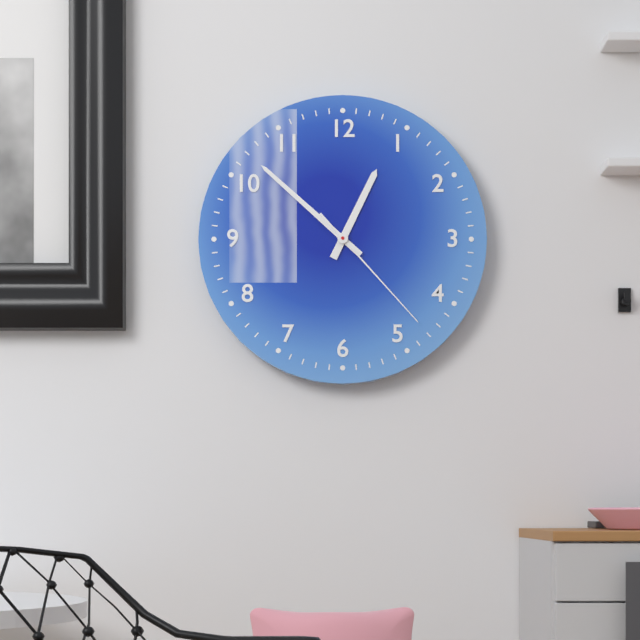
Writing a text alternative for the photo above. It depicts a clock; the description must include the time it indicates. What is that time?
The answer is 12:52:23
